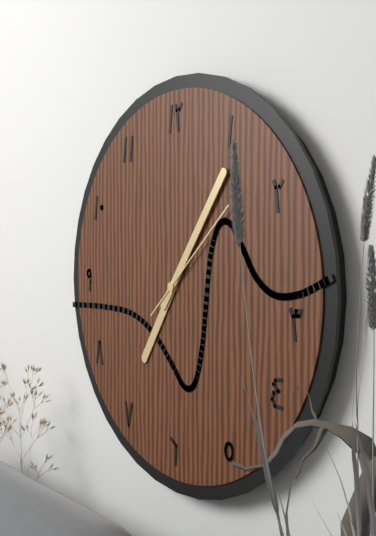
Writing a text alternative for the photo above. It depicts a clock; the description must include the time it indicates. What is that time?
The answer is 7:06:08
